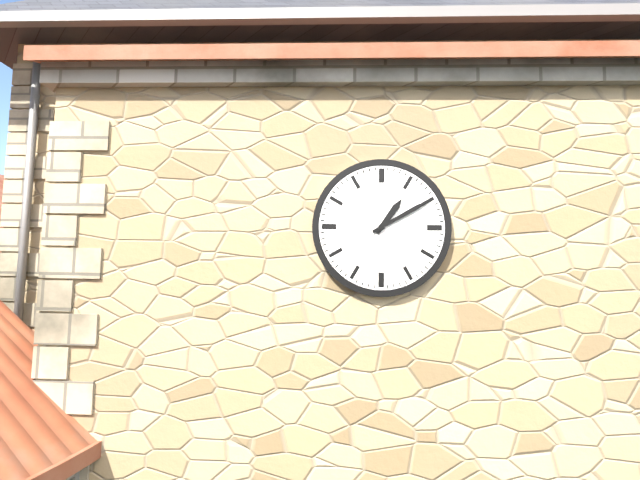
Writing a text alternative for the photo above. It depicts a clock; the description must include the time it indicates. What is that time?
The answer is 1:10
